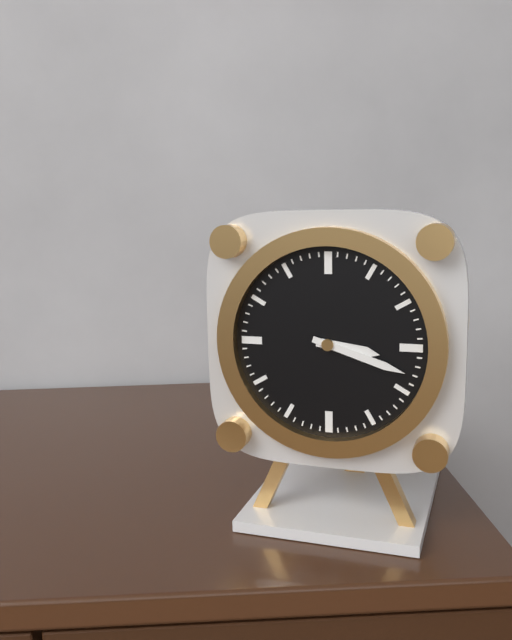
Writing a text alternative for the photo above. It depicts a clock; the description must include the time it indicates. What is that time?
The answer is 3:18
